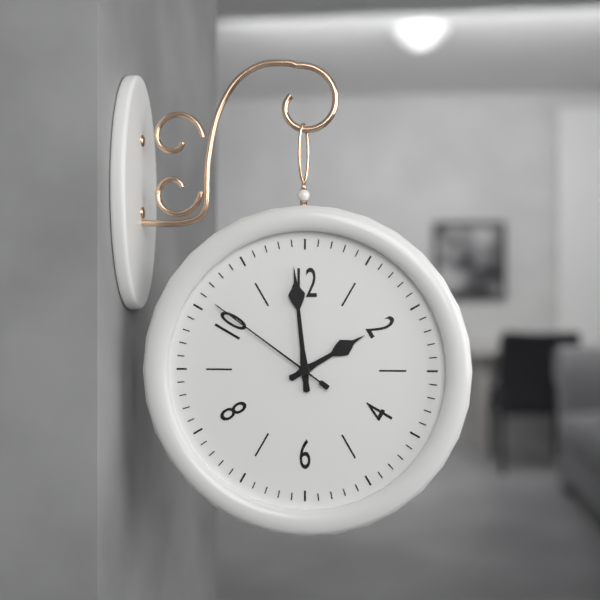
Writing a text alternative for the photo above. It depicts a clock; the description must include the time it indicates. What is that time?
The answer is 1:59:51
